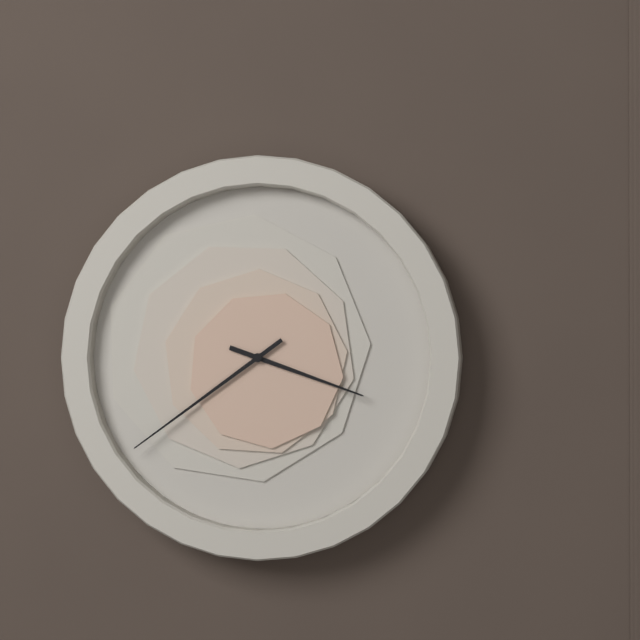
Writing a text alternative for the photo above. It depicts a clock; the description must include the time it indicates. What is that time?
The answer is 3:39
